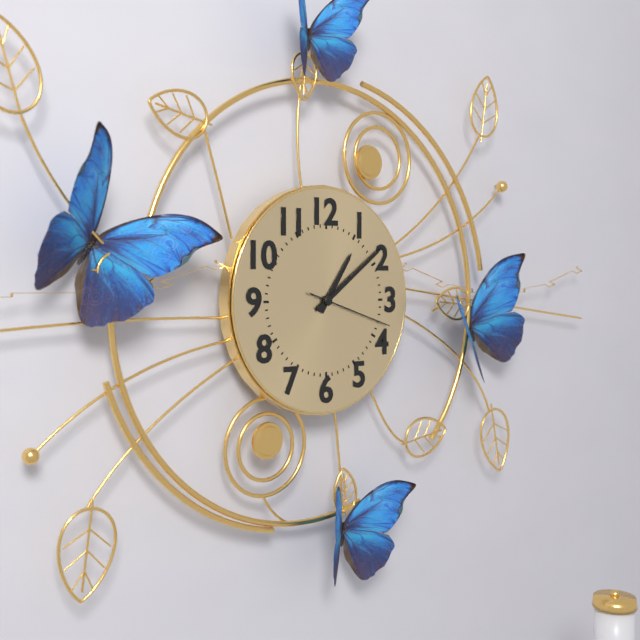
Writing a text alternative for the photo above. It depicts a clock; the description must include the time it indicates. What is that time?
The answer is 1:09:18
